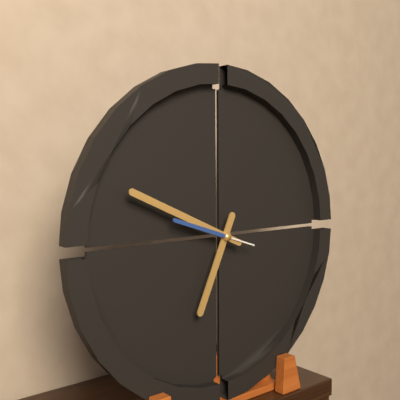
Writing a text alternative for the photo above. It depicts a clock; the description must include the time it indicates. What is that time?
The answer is 6:49:48
